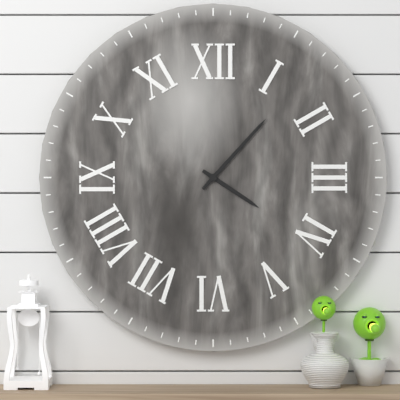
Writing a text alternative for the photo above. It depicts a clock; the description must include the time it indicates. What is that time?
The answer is 4:07
